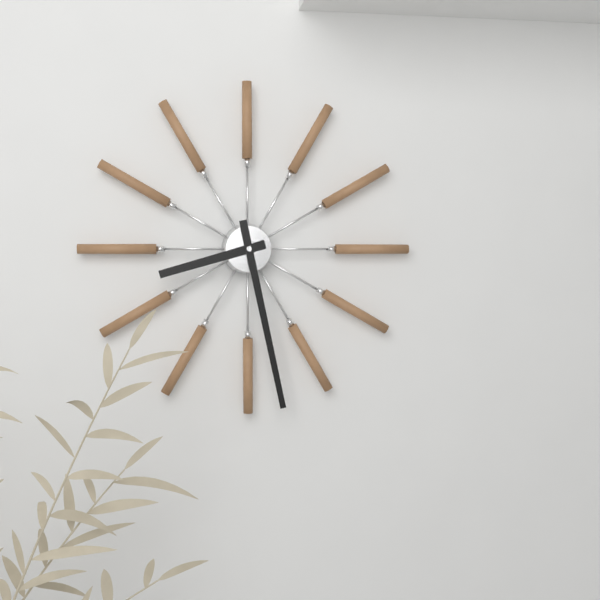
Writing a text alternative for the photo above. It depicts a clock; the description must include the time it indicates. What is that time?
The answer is 8:28
